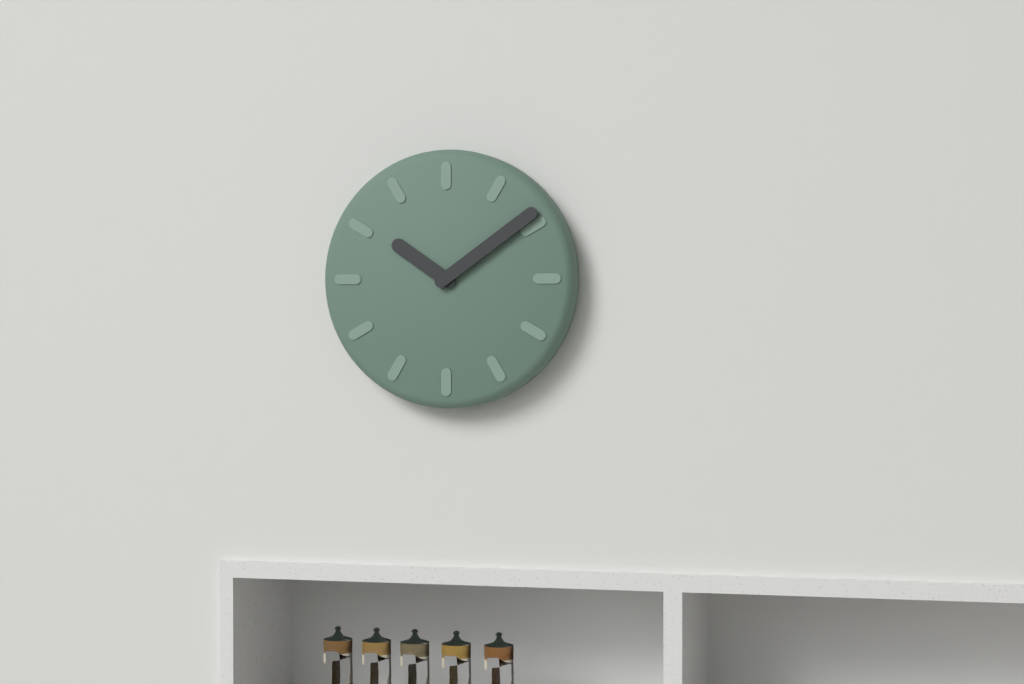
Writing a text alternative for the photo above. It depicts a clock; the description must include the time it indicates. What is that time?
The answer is 10:09
